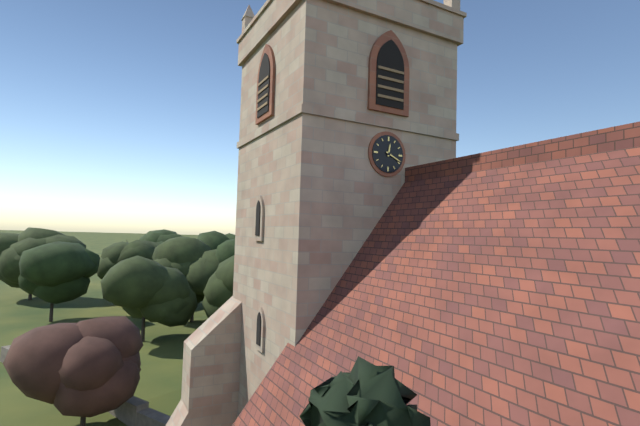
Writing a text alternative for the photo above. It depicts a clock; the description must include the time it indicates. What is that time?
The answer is 12:19
